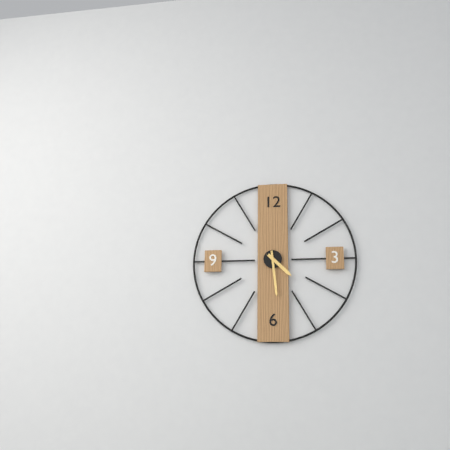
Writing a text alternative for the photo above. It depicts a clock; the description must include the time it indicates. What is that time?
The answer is 4:29
